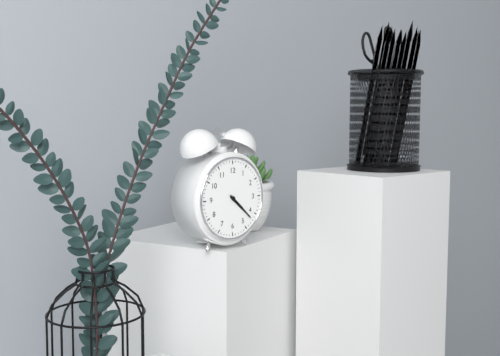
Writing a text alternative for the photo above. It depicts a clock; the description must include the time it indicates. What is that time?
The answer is 4:22
